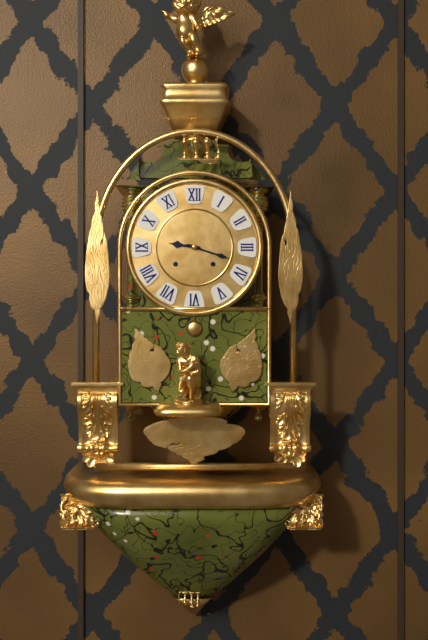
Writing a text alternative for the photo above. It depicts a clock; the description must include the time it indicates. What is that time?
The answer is 9:18
